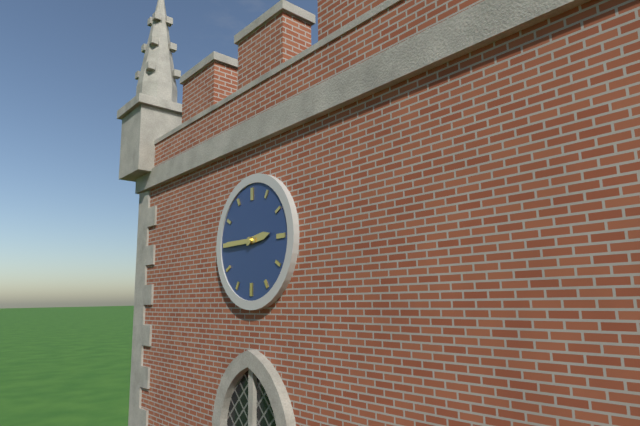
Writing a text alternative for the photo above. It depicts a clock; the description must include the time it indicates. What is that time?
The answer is 2:45
